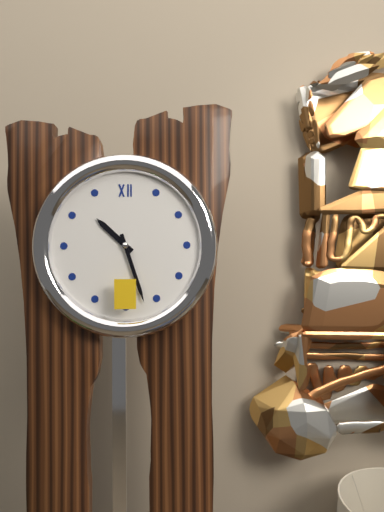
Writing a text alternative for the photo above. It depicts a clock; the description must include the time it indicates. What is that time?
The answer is 10:27
